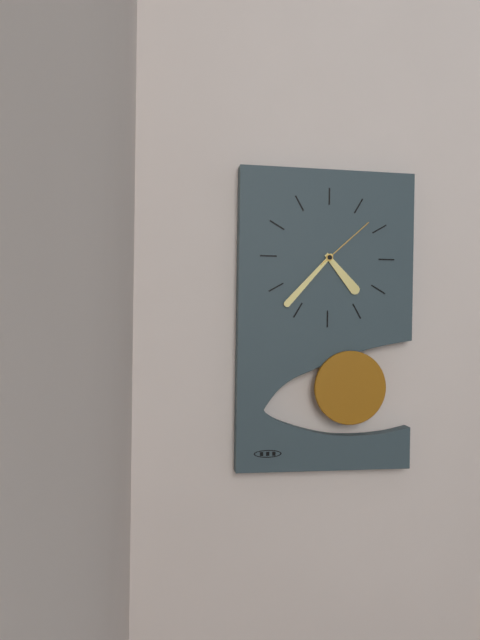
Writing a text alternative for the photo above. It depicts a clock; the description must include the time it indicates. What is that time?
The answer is 4:37:08
